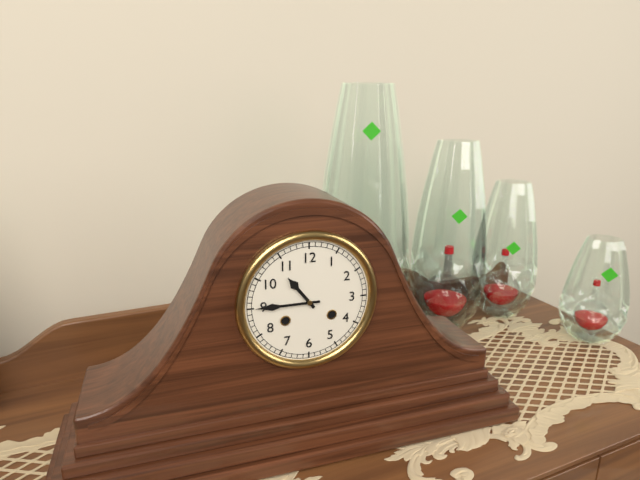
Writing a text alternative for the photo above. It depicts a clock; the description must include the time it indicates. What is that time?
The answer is 10:45
